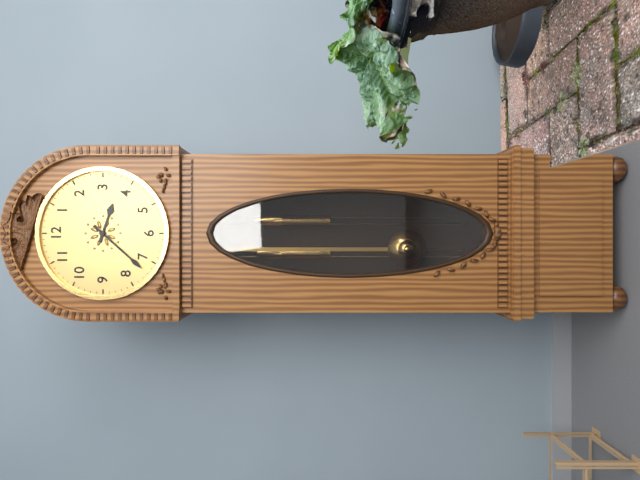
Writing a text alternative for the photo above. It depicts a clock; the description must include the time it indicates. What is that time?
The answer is 3:37
